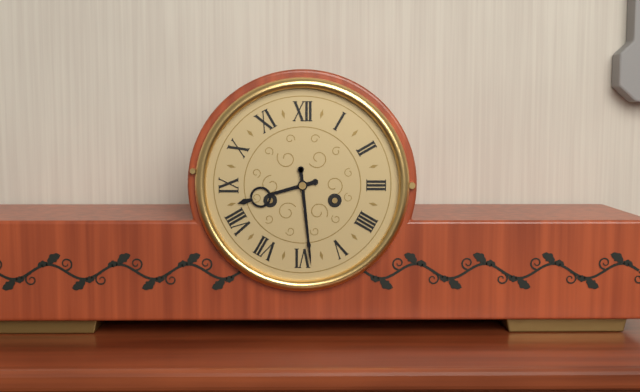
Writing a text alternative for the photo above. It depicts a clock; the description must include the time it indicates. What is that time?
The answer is 8:29
